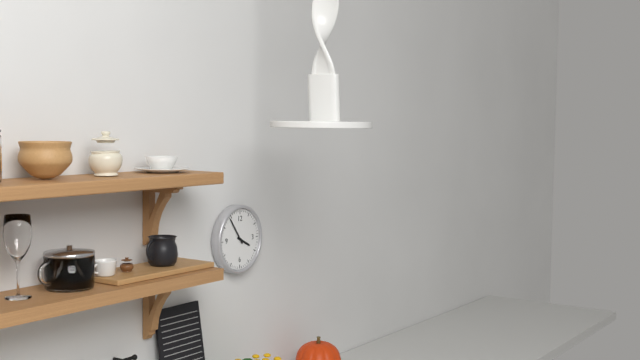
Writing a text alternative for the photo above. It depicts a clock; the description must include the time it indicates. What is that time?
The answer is 3:54
